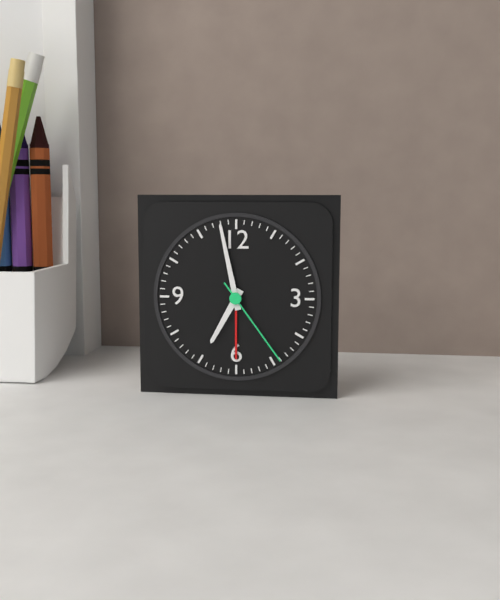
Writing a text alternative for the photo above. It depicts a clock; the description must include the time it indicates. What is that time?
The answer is 6:58:24
